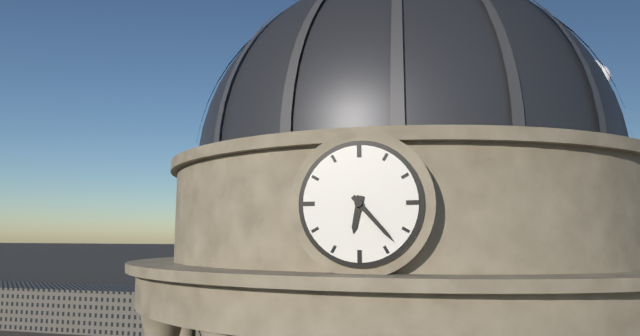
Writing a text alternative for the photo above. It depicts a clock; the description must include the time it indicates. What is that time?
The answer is 6:23
